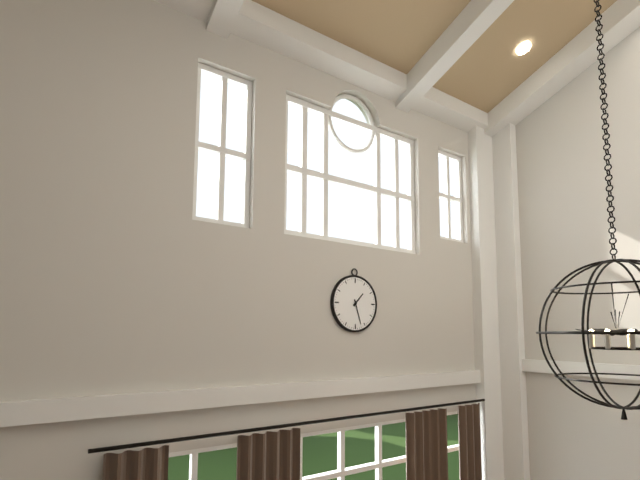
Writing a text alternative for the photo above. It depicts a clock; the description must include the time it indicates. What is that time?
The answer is 1:27
